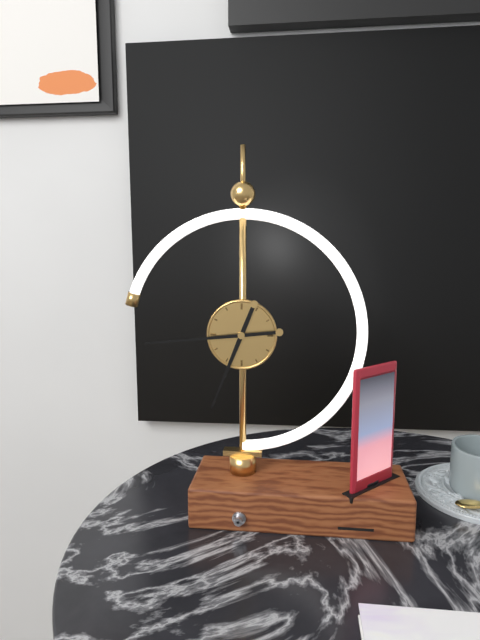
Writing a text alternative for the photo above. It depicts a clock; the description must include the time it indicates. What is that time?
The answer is 6:44
